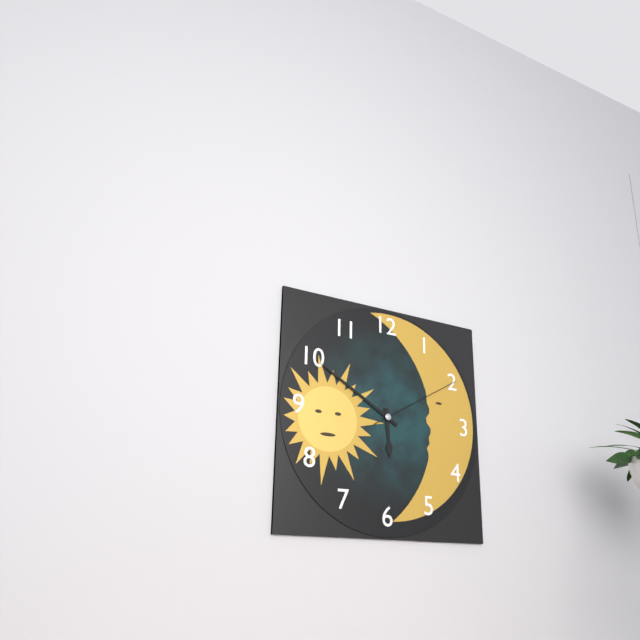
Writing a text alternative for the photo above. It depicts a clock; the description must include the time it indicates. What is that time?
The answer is 5:50:10
